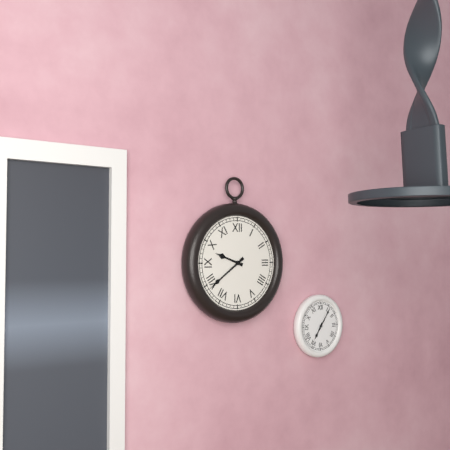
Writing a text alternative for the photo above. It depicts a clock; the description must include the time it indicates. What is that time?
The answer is 9:39
